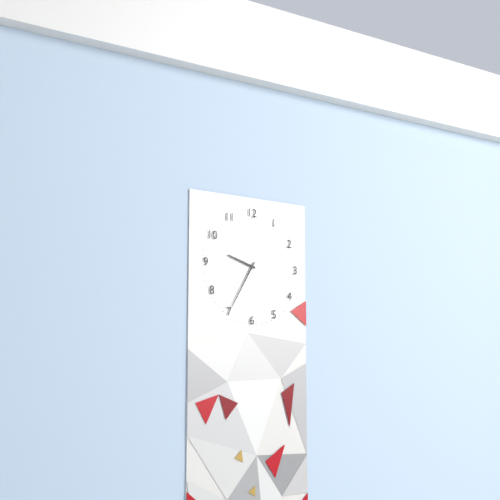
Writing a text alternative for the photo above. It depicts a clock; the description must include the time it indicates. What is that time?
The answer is 9:35
